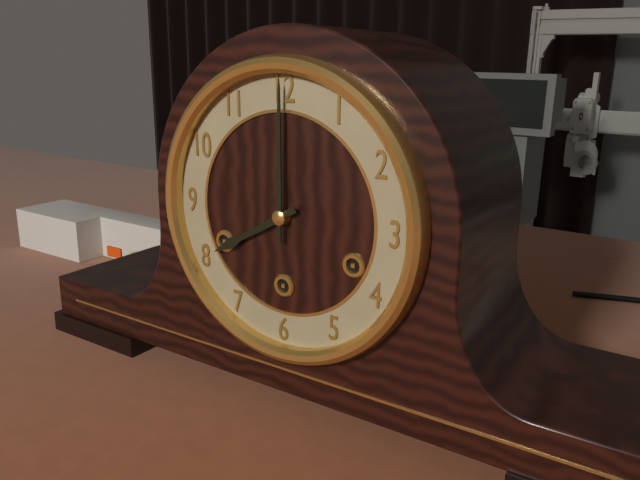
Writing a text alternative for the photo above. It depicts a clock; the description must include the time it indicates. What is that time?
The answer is 8:00
